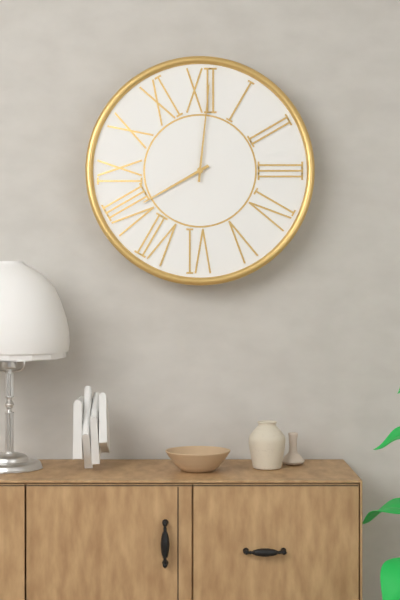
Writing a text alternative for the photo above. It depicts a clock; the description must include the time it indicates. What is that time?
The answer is 8:01
